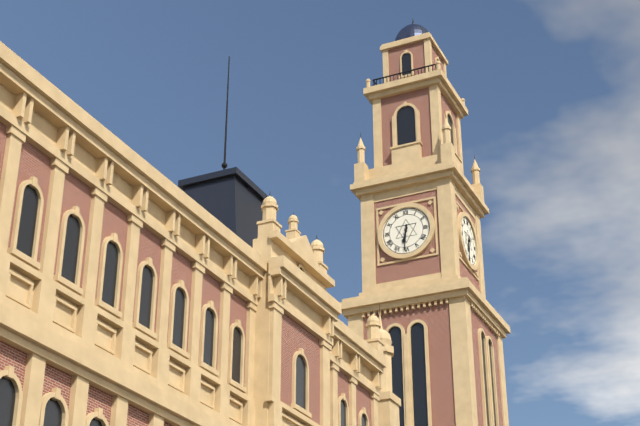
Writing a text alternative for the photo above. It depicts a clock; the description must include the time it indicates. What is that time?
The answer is 6:31
